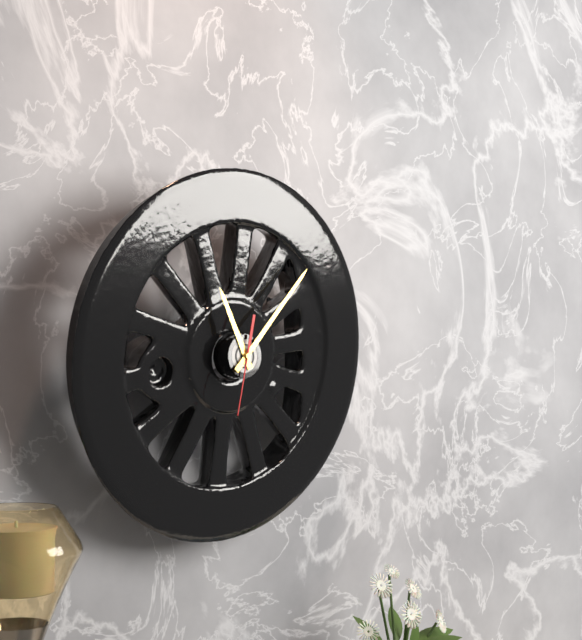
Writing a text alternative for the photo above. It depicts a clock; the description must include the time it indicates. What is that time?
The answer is 11:07:32
